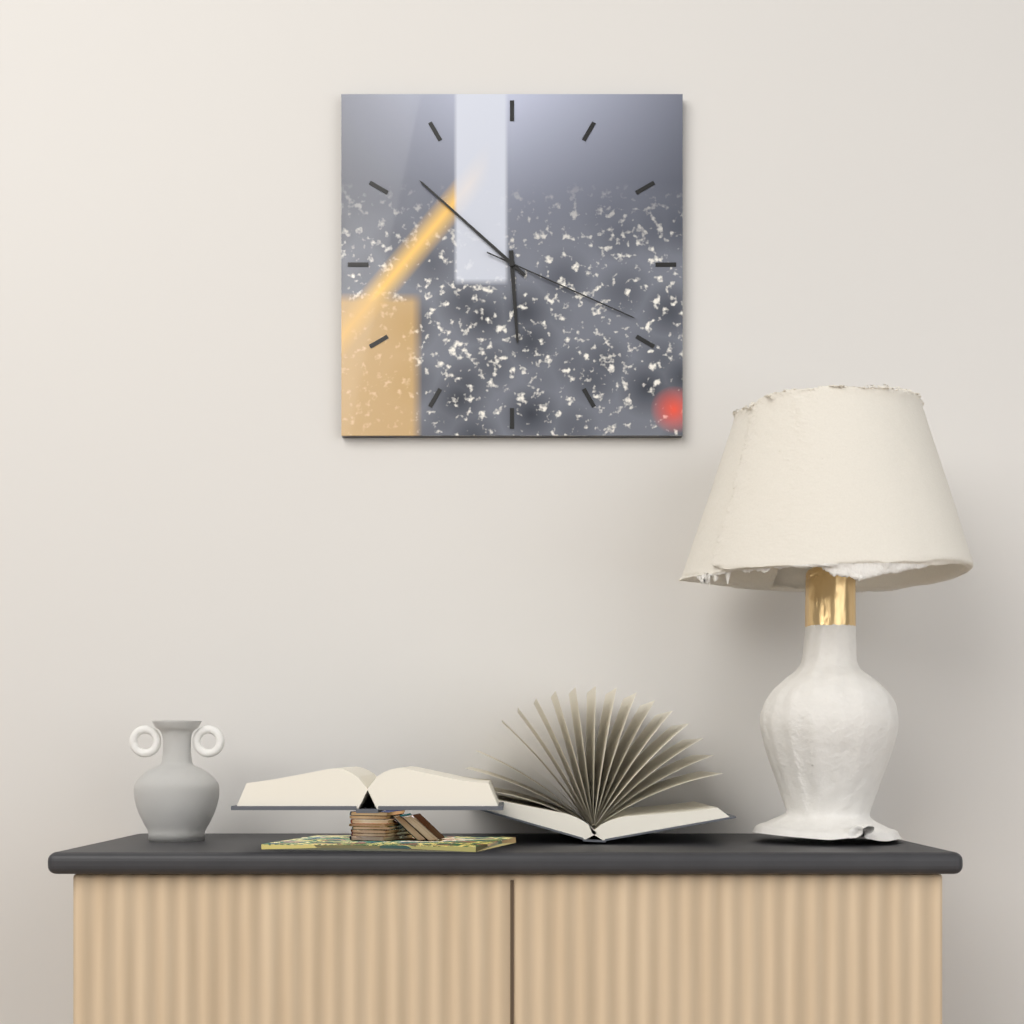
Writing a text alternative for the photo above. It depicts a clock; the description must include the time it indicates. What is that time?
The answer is 5:52:19
